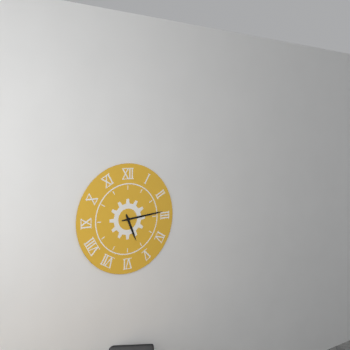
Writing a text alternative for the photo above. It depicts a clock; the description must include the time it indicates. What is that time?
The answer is 5:14
